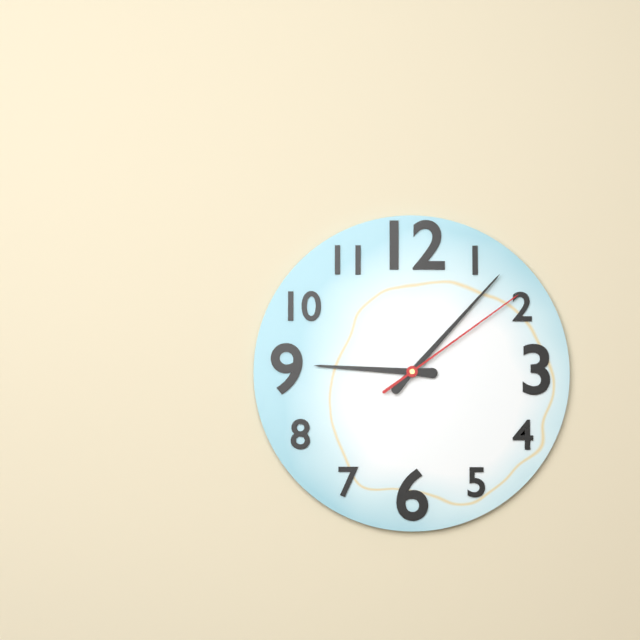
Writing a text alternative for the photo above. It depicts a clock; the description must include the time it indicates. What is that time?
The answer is 9:07:09
